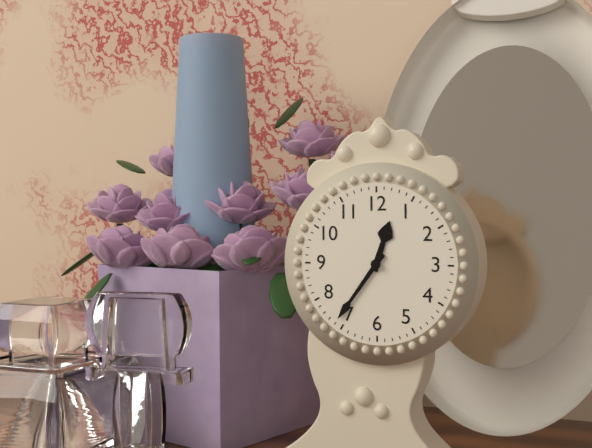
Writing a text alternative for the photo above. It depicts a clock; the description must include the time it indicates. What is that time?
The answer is 12:36
